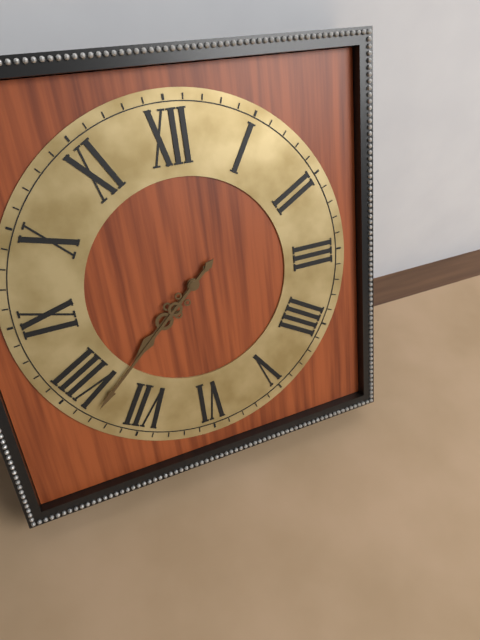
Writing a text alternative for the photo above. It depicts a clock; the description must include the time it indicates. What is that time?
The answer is 7:38
